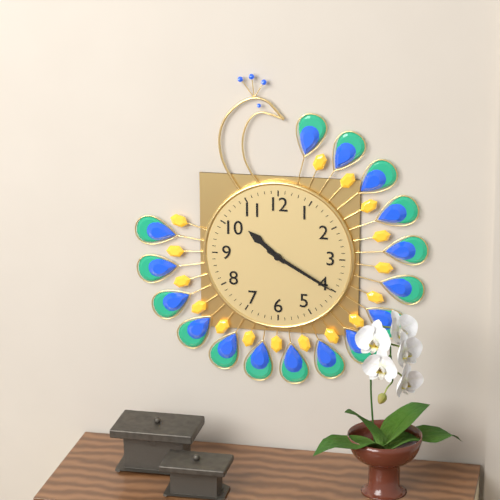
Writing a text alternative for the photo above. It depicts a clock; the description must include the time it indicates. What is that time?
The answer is 10:20
